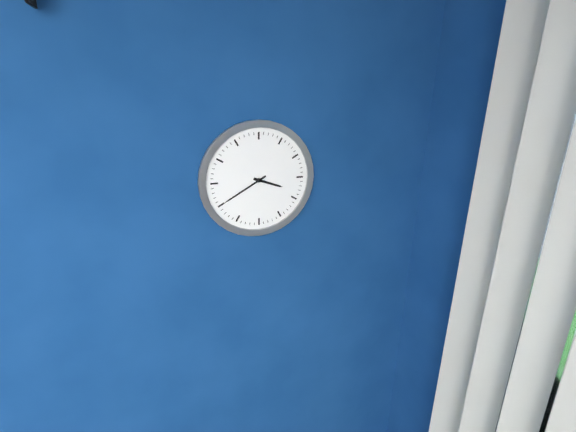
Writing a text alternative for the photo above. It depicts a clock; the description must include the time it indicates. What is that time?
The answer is 3:40
